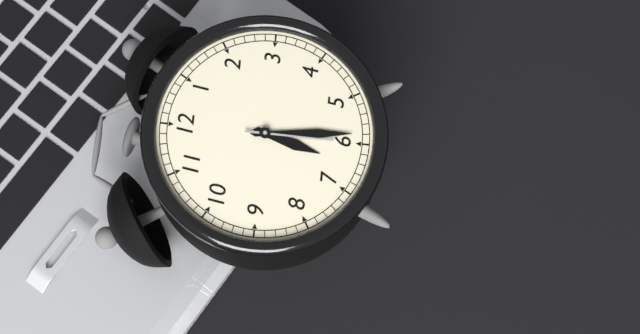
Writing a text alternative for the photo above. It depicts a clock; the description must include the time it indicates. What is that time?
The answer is 6:29:30
